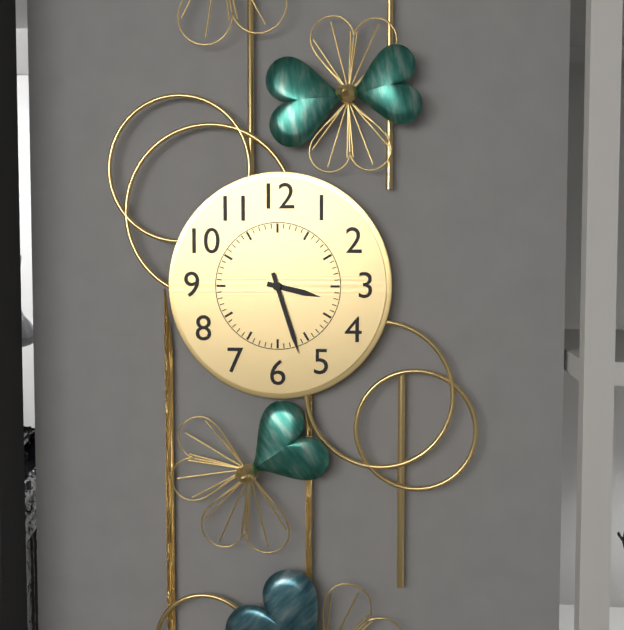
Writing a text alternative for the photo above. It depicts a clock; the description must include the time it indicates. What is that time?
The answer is 3:27
